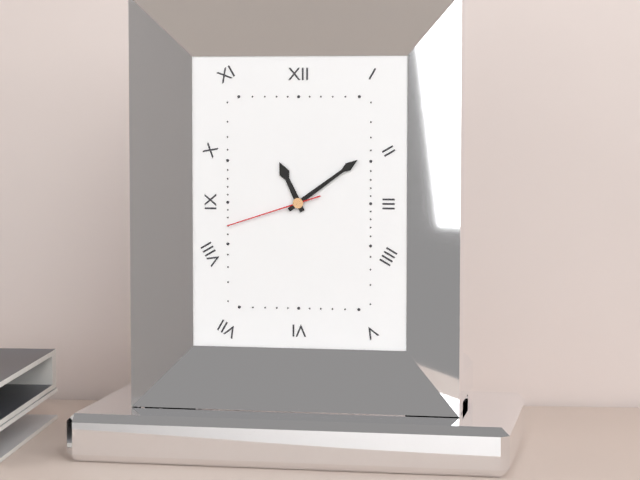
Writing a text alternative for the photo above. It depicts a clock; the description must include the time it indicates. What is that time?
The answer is 11:09:42
